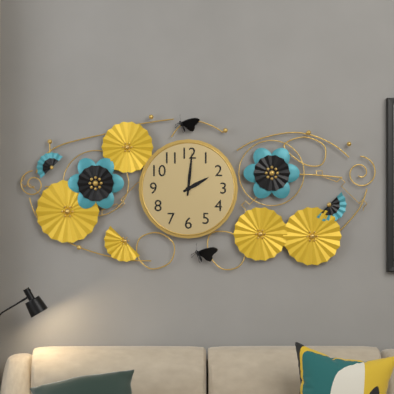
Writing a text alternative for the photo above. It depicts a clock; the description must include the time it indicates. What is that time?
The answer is 2:01
